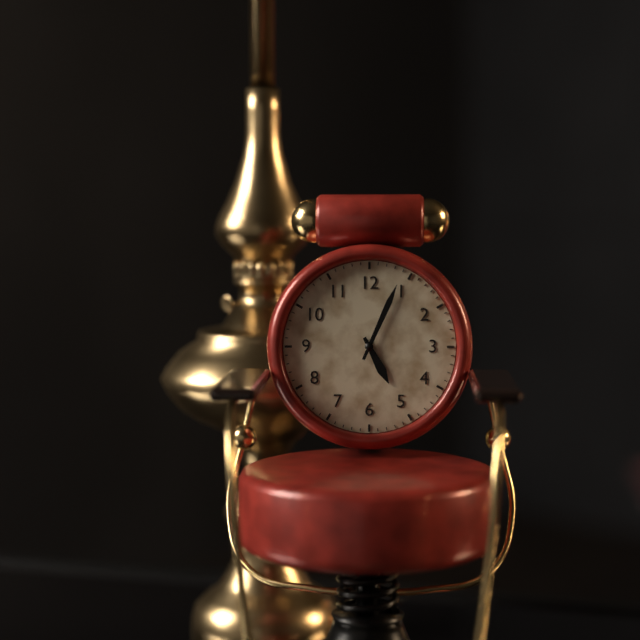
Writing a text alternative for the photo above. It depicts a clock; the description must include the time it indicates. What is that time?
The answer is 5:04
